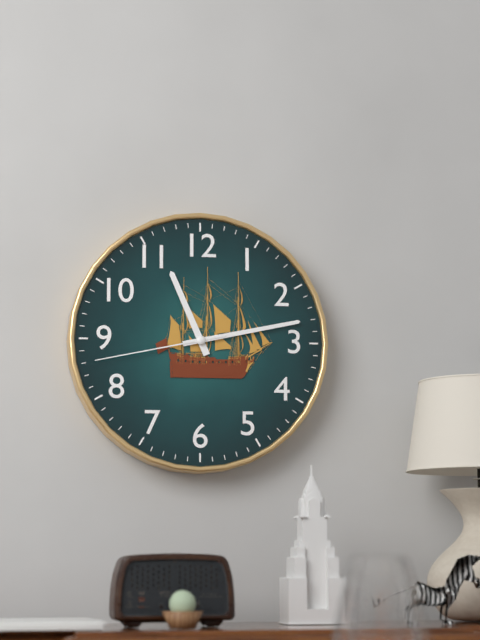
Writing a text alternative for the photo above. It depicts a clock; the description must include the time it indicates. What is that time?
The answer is 11:13:43
